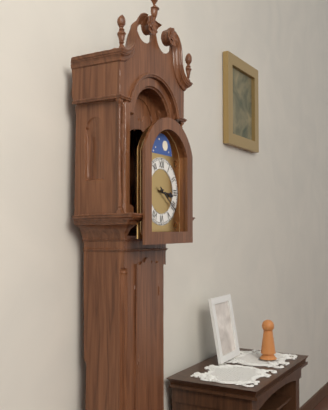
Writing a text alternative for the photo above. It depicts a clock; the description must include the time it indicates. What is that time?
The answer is 3:21
